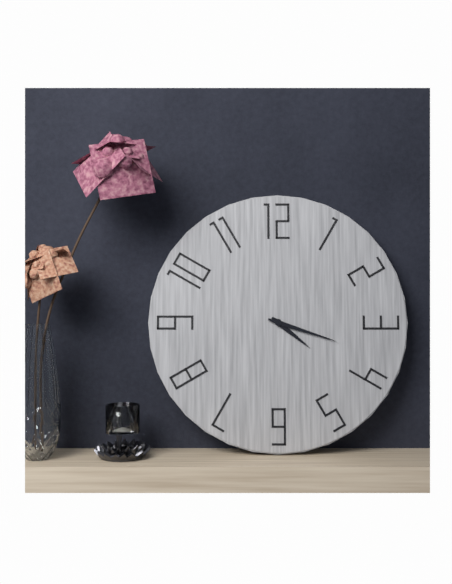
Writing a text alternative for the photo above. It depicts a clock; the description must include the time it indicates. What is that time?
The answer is 4:18
